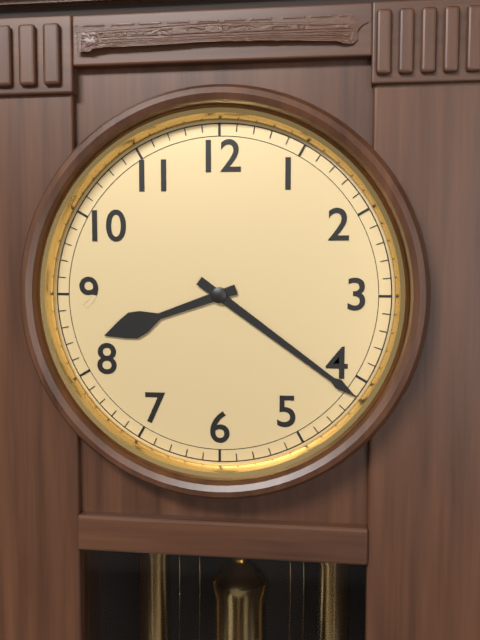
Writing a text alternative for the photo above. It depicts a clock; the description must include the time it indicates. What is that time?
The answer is 8:21
